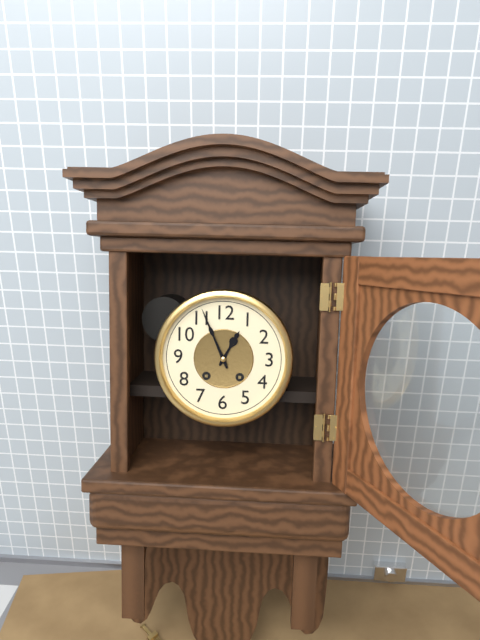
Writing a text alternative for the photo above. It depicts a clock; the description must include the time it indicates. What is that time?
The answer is 12:56
